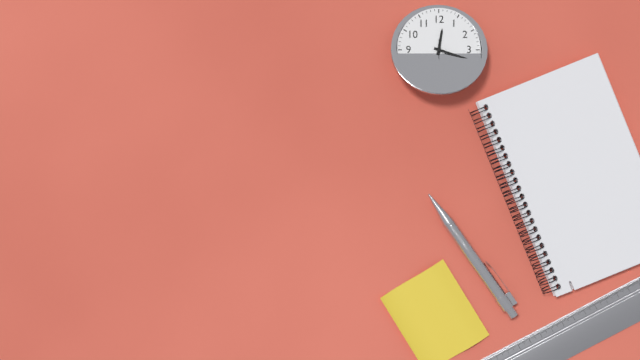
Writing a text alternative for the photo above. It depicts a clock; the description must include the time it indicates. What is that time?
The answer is 12:18
